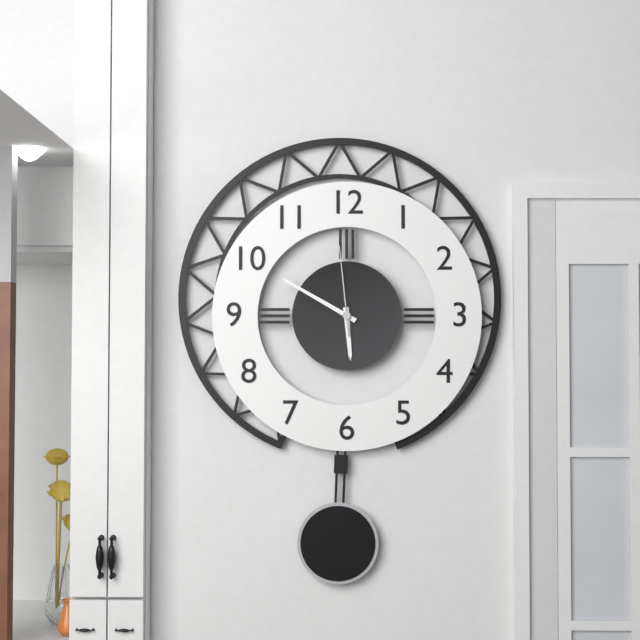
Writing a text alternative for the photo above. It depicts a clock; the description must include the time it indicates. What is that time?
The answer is 5:50:59
